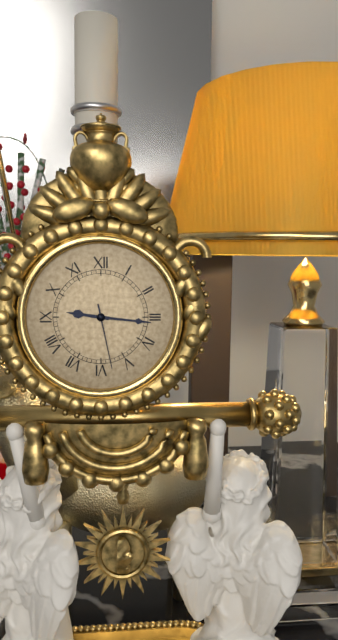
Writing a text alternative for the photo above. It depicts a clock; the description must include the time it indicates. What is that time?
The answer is 9:16:28
